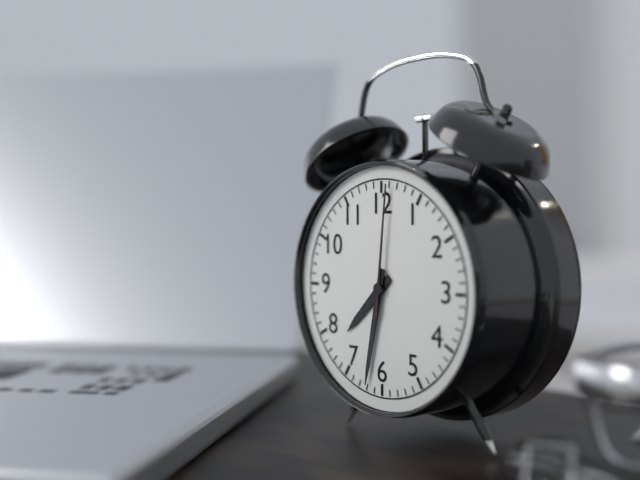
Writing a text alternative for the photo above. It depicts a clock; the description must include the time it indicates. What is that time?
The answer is 7:32:01
